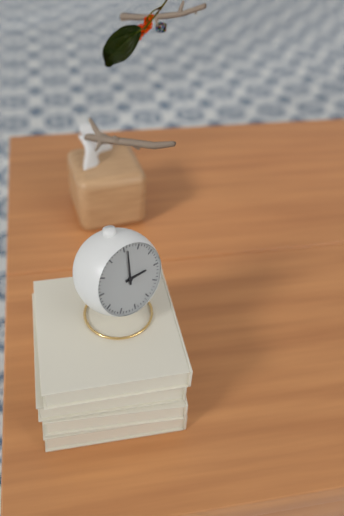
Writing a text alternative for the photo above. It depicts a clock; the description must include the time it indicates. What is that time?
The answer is 3:01
